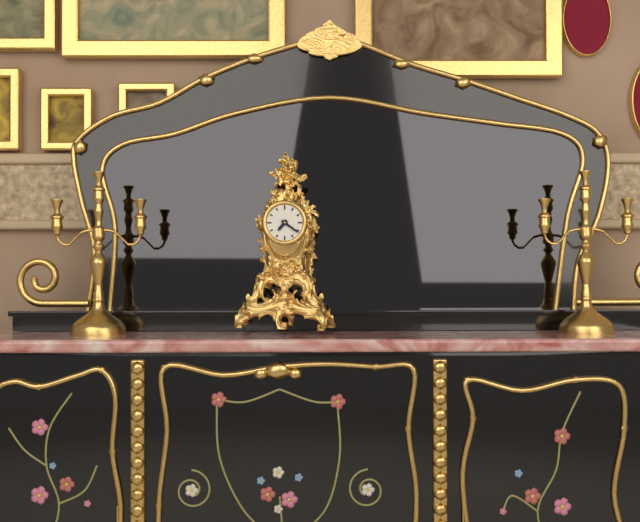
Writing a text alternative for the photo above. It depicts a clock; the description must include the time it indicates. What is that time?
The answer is 7:21
